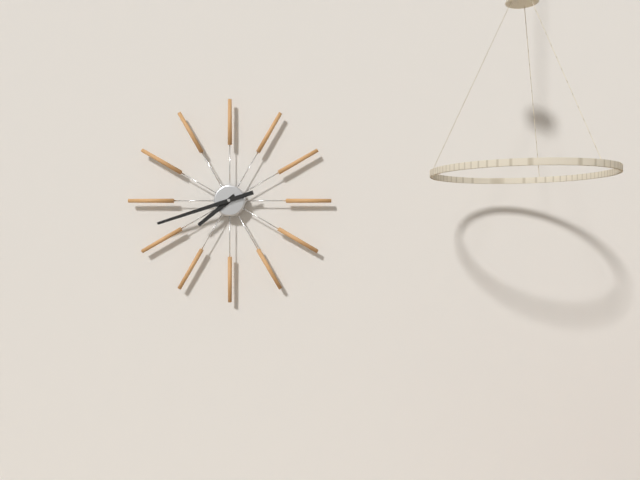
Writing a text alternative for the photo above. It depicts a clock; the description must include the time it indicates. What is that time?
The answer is 7:42
